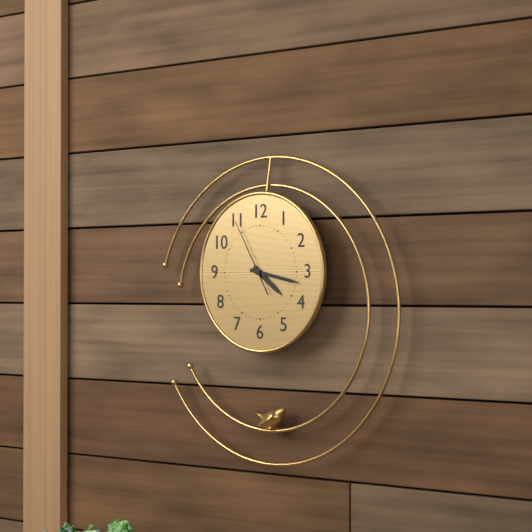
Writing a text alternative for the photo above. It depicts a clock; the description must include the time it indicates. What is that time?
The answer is 4:17:55
